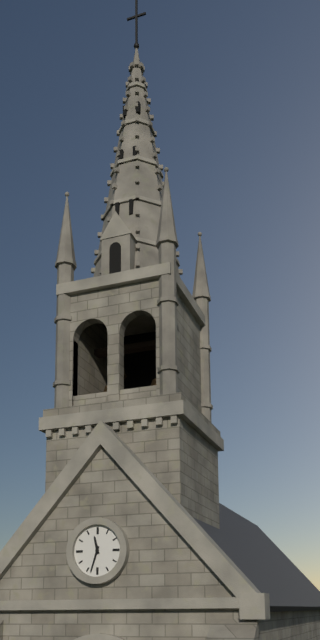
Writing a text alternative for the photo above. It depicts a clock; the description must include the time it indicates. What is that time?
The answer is 11:33
